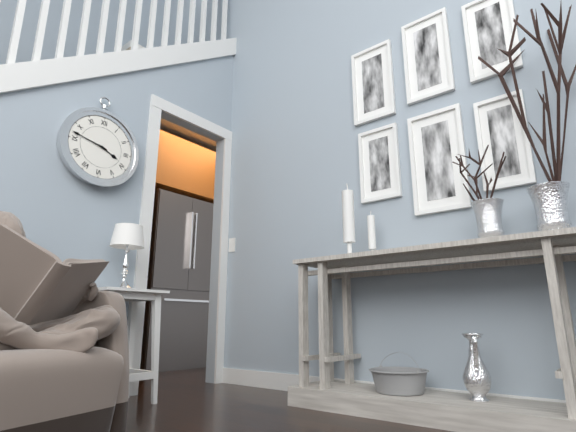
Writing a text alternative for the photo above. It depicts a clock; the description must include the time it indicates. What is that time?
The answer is 3:47
